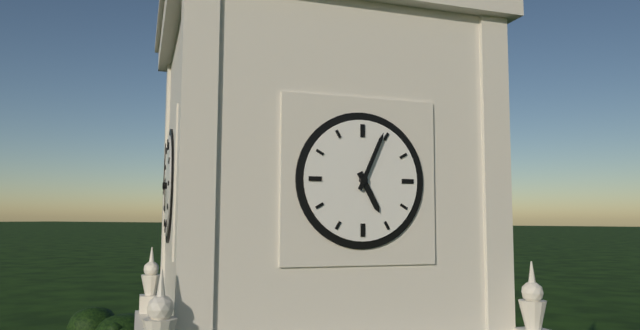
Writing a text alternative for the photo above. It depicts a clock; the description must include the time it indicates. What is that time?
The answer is 5:04
